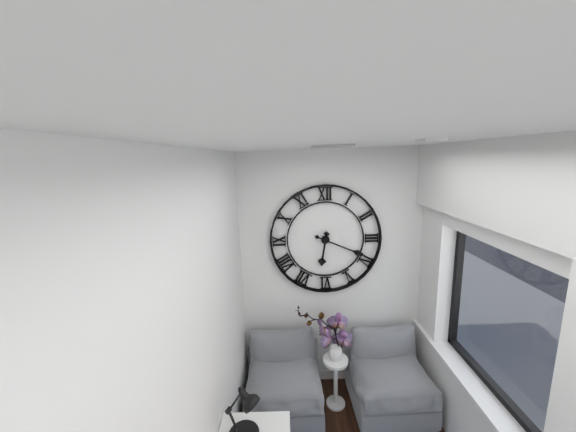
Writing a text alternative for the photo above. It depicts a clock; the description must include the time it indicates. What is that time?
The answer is 6:19
